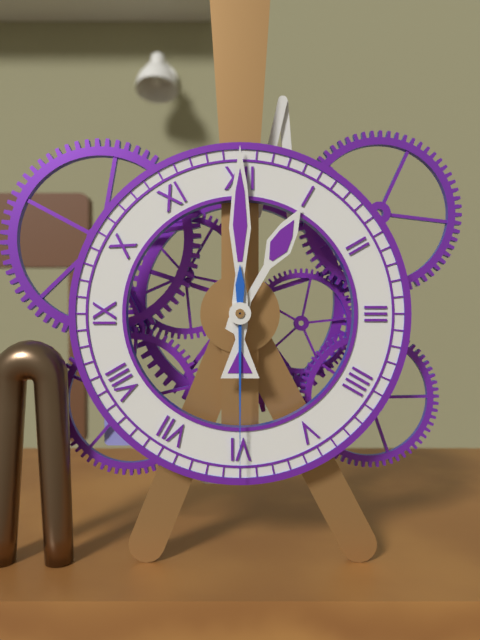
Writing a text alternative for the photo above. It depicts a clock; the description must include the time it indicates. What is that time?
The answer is 1:00:30
